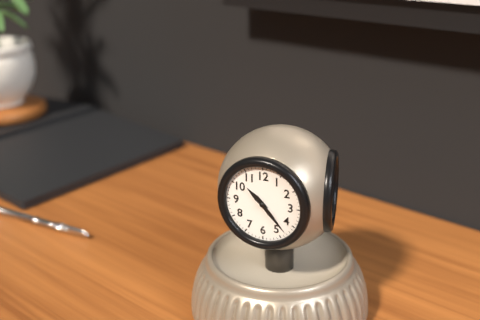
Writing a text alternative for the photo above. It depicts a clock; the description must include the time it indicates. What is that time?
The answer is 10:23
